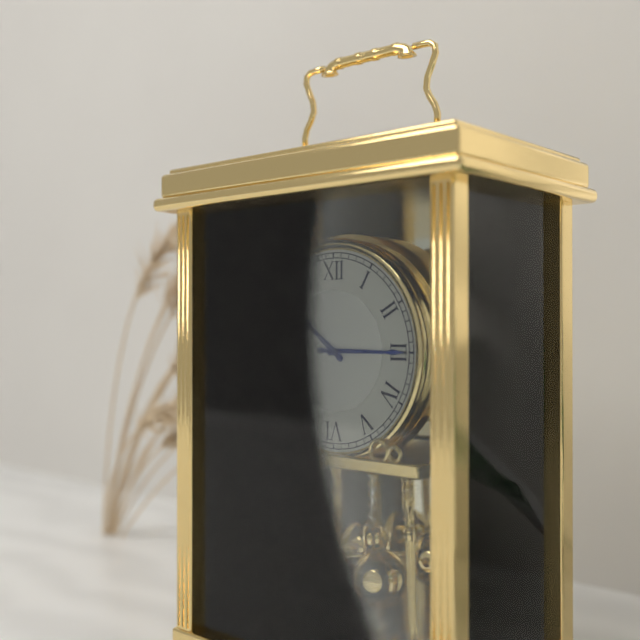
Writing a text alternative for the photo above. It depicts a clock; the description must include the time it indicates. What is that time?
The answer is 10:15
